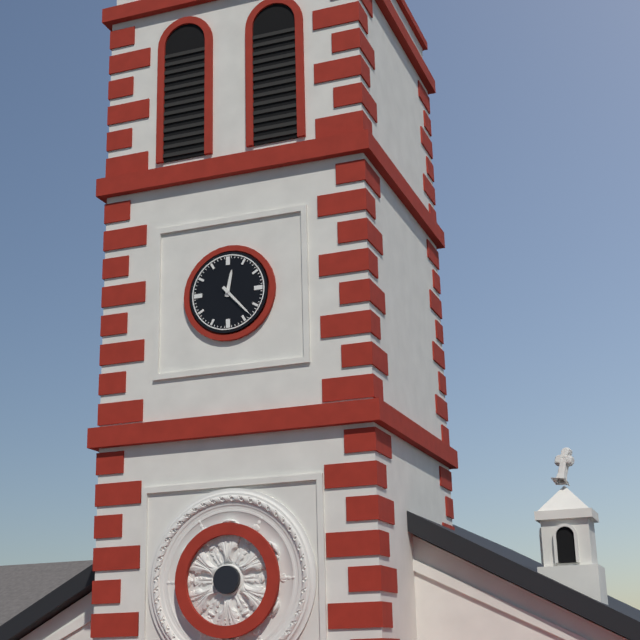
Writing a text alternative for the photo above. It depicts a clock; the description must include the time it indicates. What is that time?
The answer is 12:23
